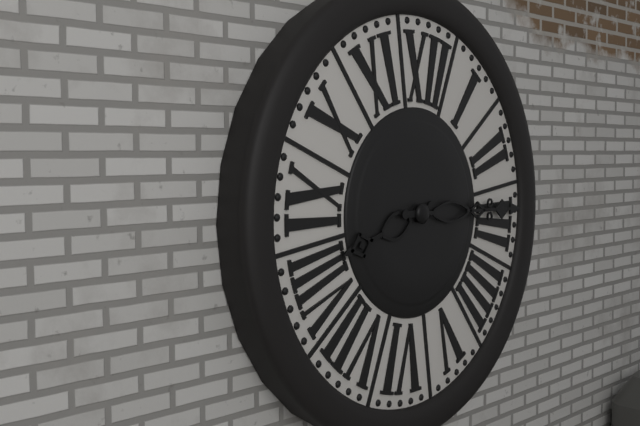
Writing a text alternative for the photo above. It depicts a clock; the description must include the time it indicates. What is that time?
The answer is 8:14
